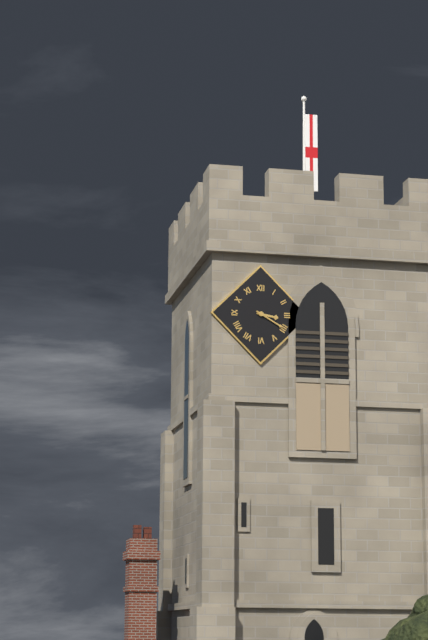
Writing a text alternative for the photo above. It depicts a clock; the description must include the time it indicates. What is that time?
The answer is 3:20
